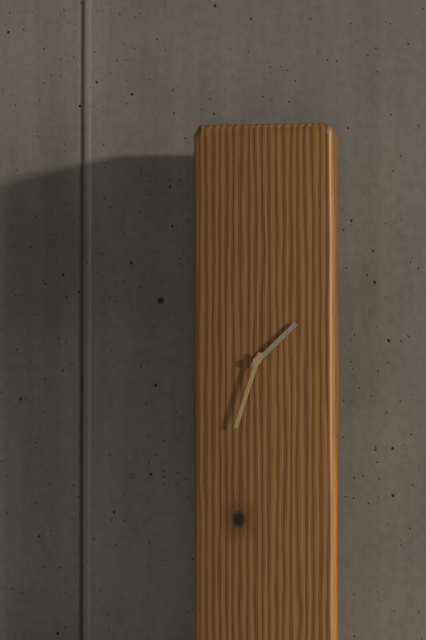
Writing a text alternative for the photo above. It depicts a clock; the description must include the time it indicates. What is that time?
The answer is 1:33
